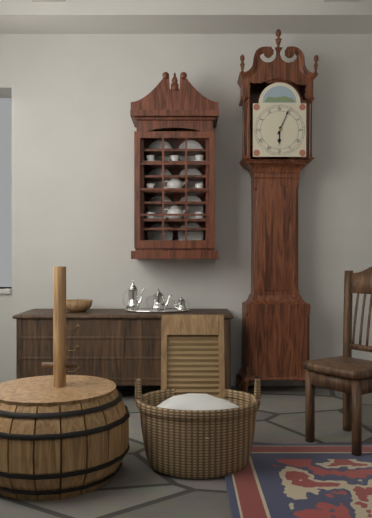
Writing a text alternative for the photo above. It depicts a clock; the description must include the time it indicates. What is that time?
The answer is 6:04
